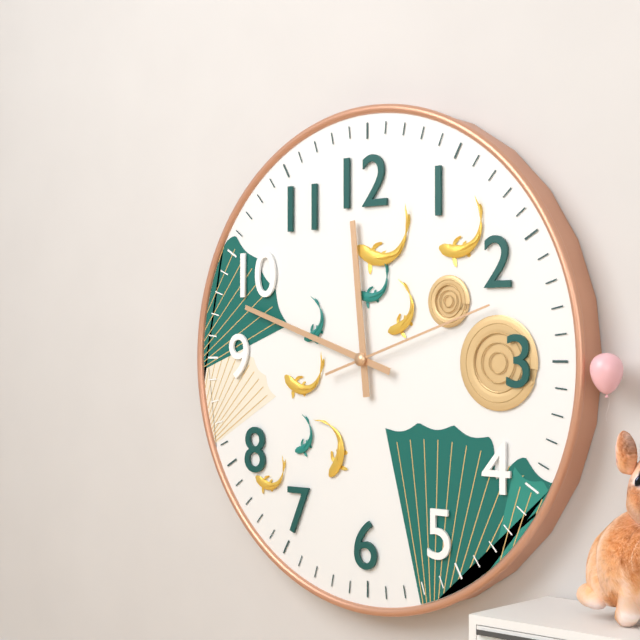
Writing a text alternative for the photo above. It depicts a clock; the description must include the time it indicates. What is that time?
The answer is 11:48:12
